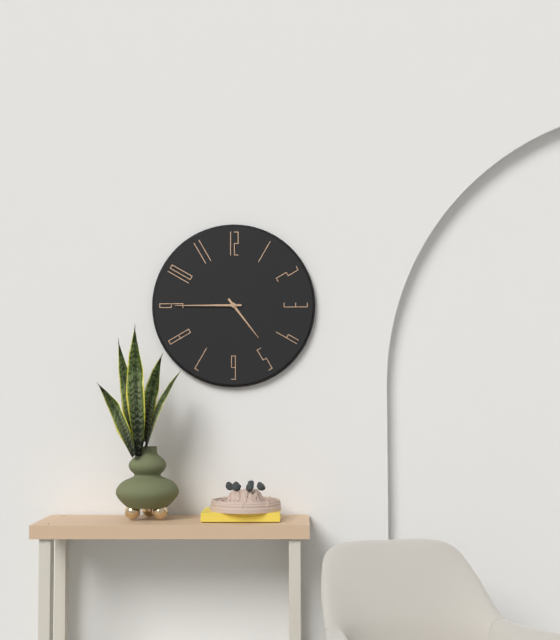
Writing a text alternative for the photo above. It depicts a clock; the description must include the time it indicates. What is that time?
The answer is 4:45
